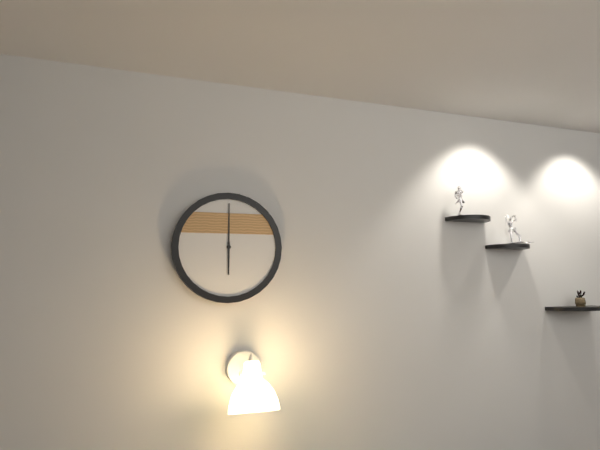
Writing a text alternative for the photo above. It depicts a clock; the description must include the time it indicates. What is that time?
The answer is 6:00
